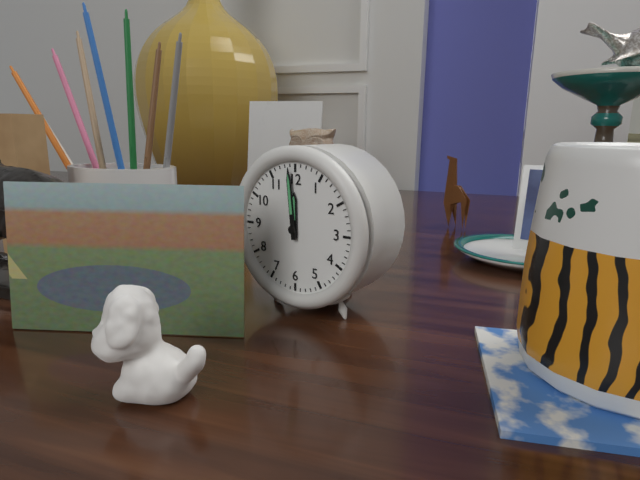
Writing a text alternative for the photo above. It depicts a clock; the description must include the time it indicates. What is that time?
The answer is 11:59
